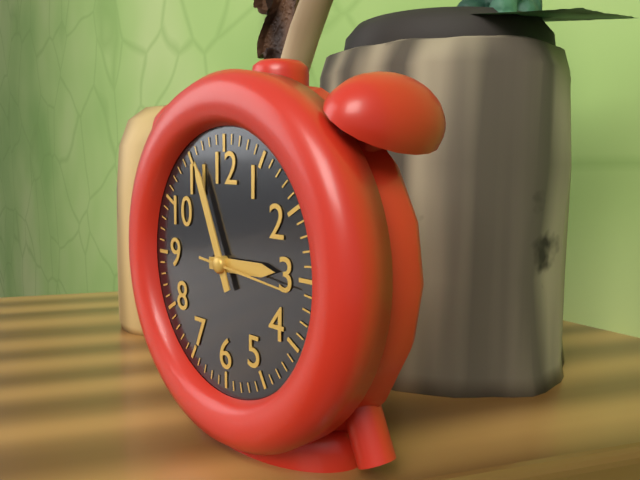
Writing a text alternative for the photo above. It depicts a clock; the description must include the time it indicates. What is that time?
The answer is 2:56
